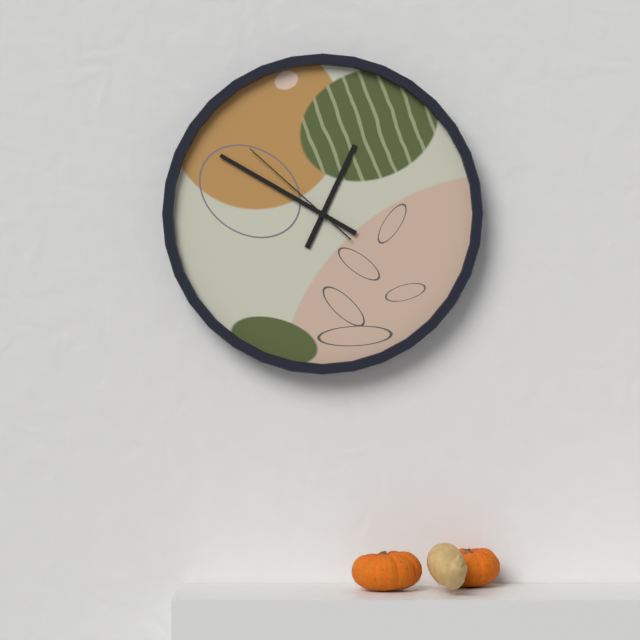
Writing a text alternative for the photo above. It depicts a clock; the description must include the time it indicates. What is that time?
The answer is 12:50:52
